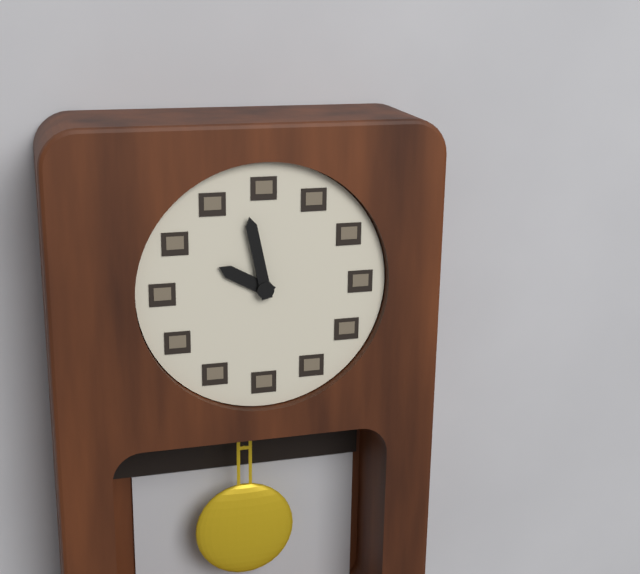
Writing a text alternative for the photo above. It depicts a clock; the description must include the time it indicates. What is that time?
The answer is 9:58
